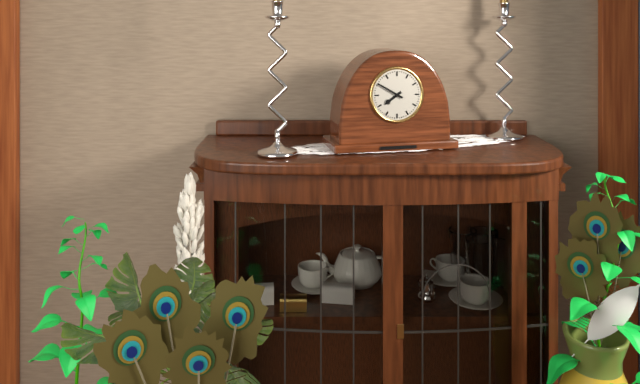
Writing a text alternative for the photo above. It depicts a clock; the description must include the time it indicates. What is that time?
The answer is 7:50
